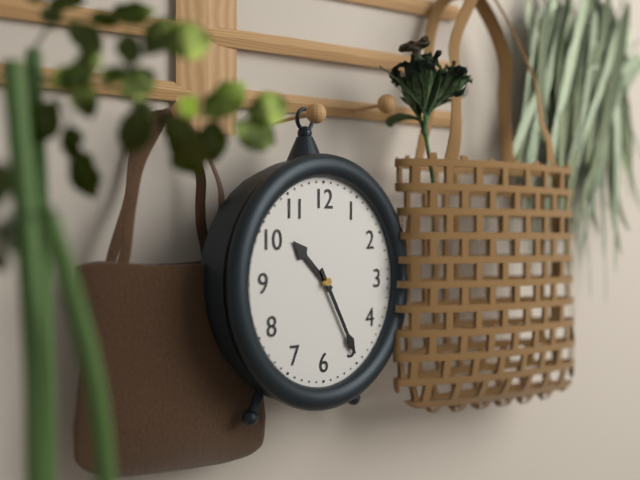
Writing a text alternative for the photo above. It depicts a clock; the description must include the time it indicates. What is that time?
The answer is 10:25
